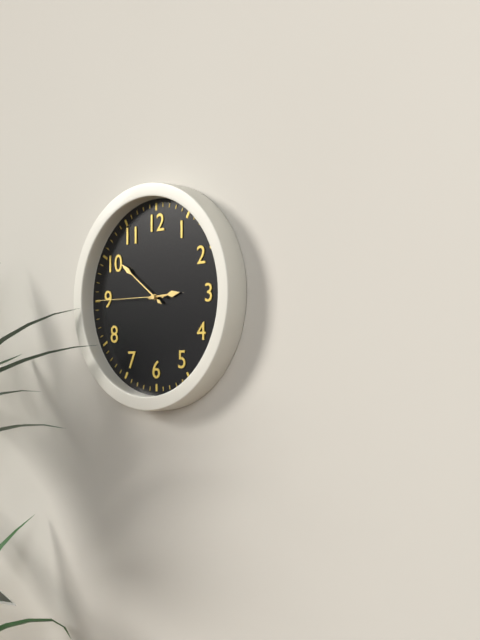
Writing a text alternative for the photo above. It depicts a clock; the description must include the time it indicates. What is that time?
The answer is 2:51:45
